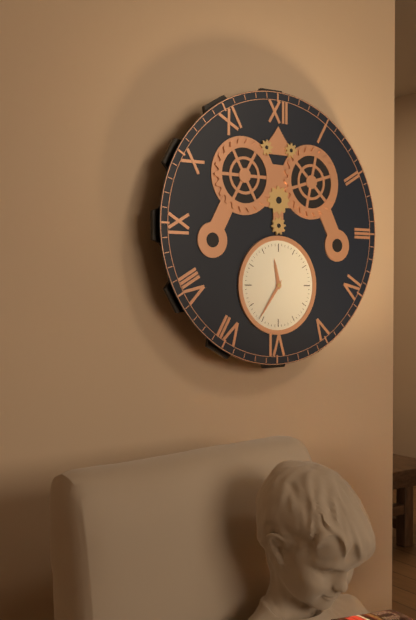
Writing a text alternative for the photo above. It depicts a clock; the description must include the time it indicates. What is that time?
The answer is 11:36
